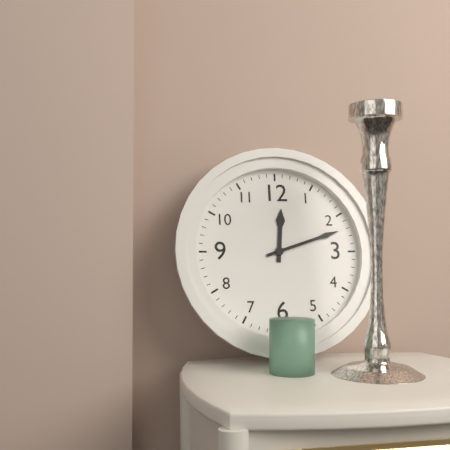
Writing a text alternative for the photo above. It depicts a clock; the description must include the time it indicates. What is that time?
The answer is 12:12
